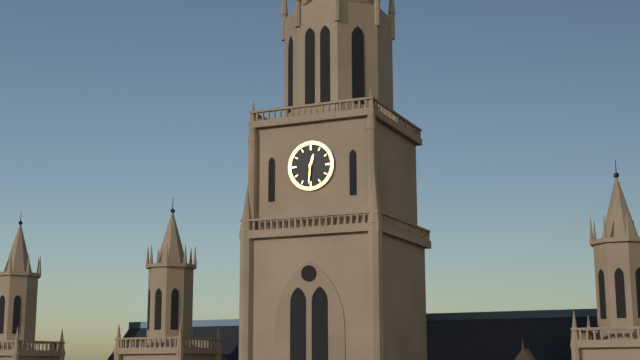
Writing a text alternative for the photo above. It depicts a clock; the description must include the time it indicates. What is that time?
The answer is 12:31
